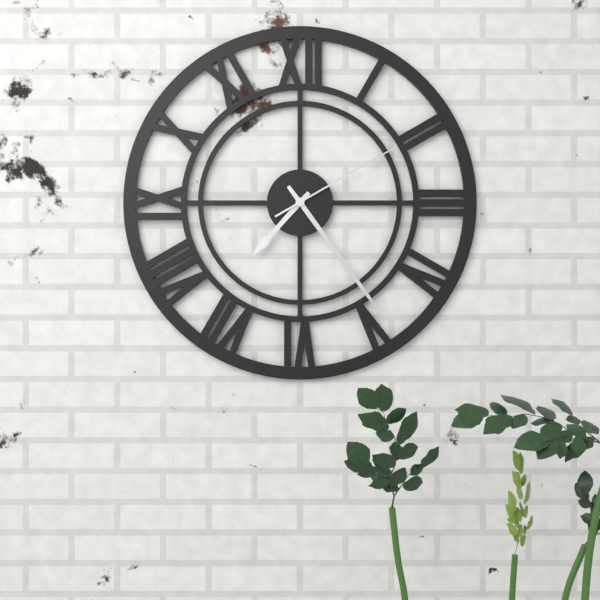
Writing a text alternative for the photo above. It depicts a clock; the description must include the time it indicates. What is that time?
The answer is 7:24:10
